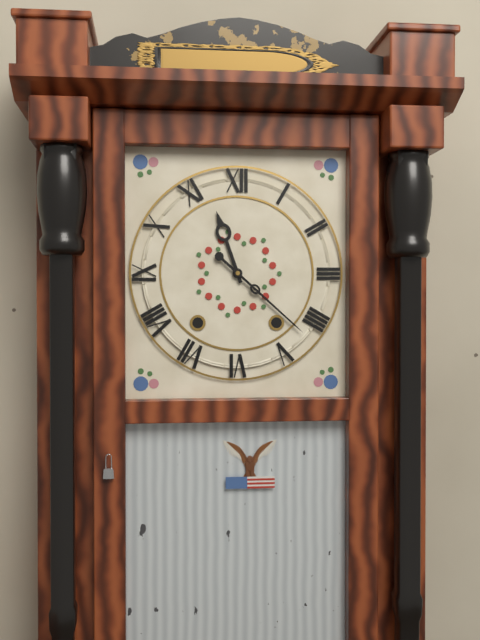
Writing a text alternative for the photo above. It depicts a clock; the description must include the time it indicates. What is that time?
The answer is 11:22
